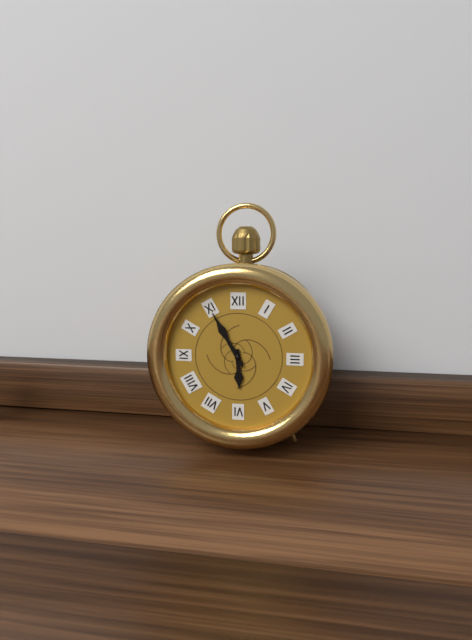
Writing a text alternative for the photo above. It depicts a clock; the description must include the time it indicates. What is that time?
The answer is 5:55
